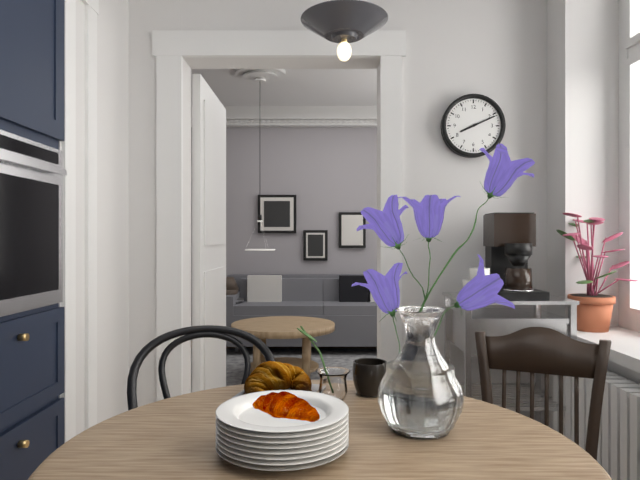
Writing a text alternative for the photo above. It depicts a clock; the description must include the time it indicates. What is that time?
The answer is 8:11
